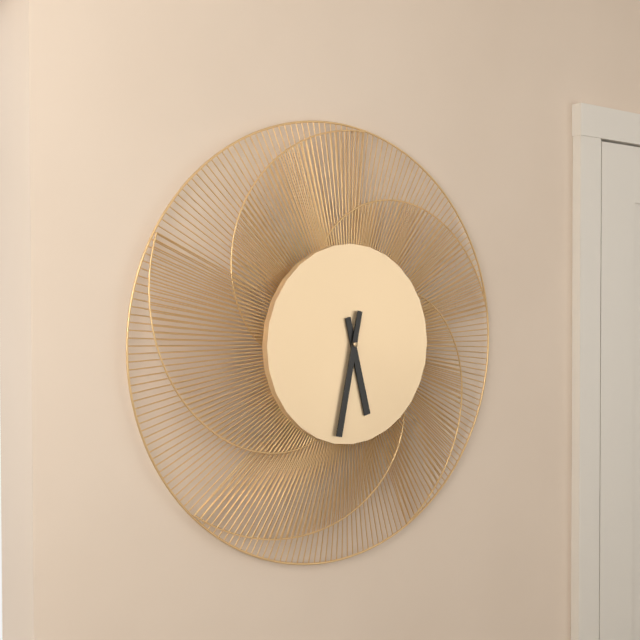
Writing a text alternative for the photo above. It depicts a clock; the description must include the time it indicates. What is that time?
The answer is 5:32
